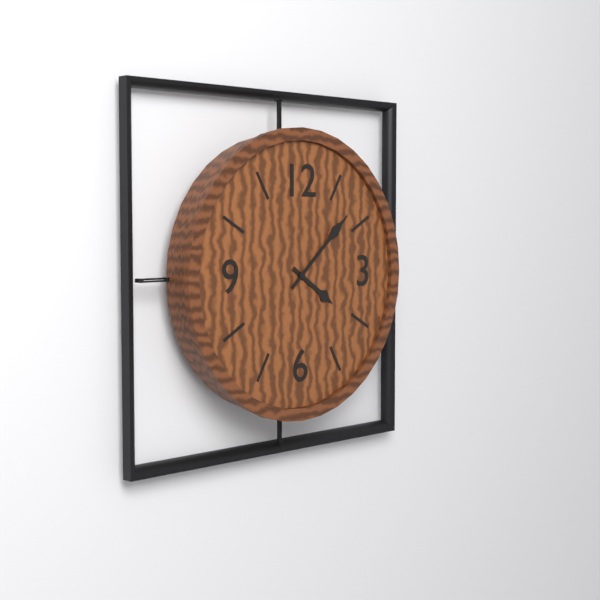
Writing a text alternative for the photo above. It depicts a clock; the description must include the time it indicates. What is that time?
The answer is 4:08
